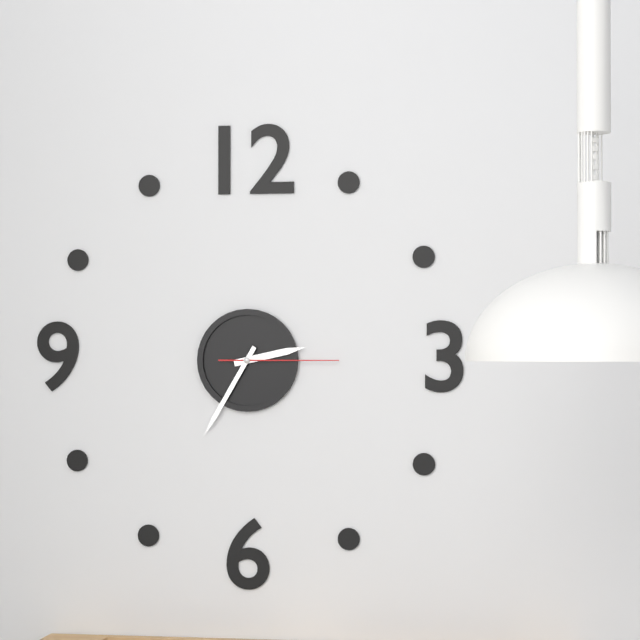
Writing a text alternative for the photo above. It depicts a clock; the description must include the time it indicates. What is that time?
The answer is 2:35:15
